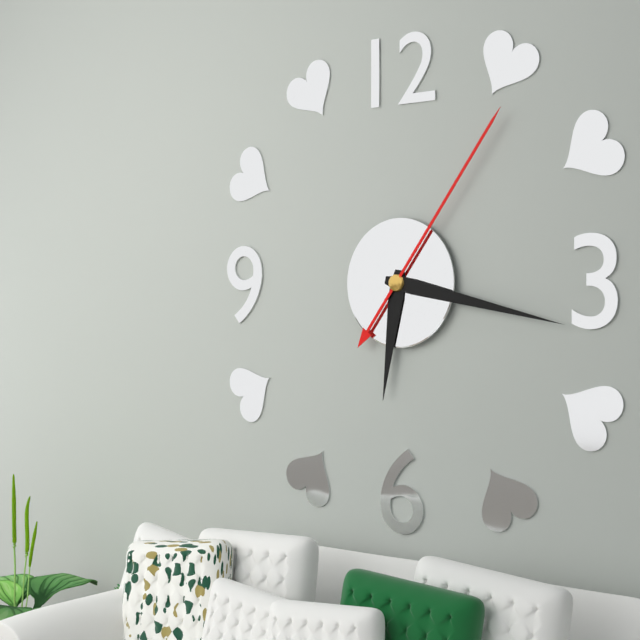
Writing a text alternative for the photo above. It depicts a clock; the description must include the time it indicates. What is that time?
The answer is 6:17:06
